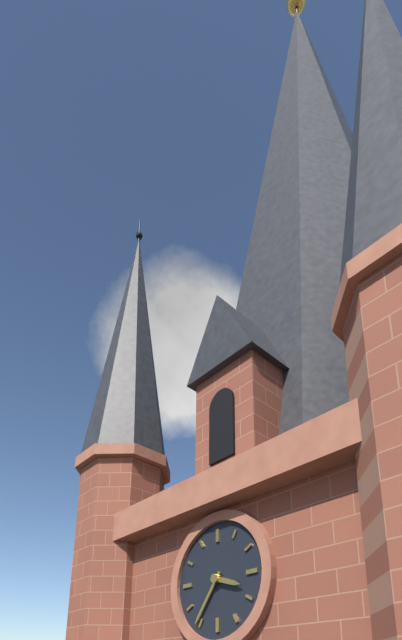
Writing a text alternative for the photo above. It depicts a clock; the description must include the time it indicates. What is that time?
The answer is 3:36
